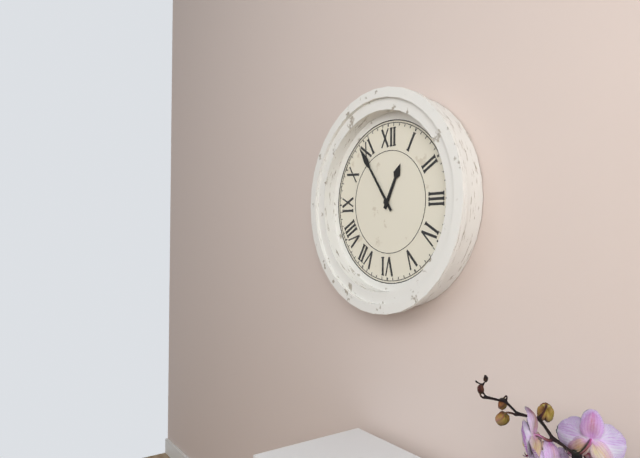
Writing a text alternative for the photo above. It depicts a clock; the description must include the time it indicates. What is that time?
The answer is 12:54
